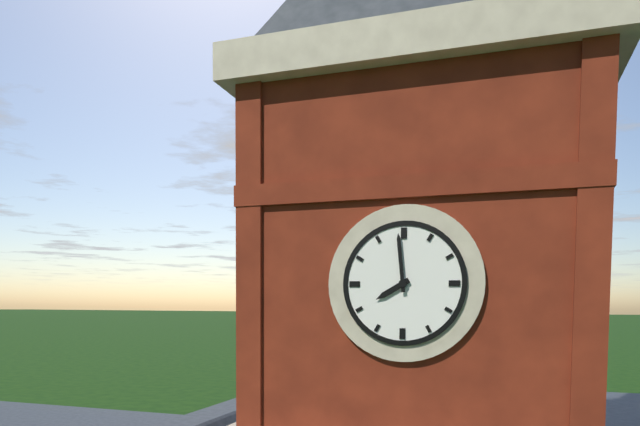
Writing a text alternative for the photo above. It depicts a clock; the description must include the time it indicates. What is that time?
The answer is 7:59
